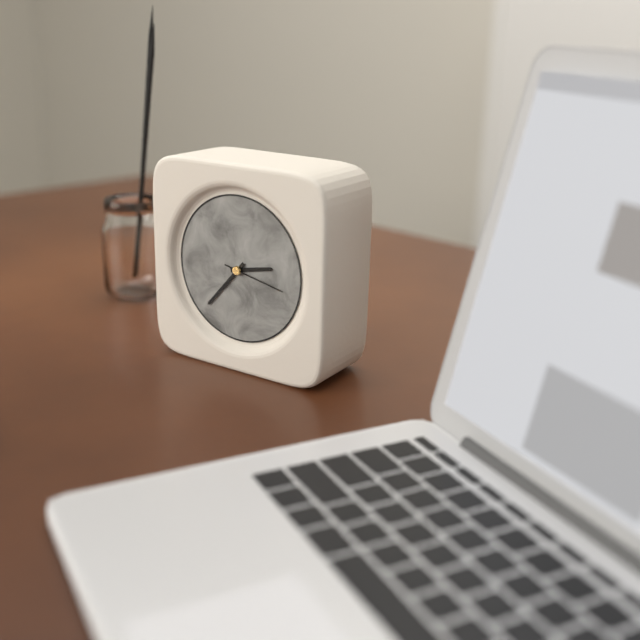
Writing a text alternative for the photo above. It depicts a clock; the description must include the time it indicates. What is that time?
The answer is 2:37:17
